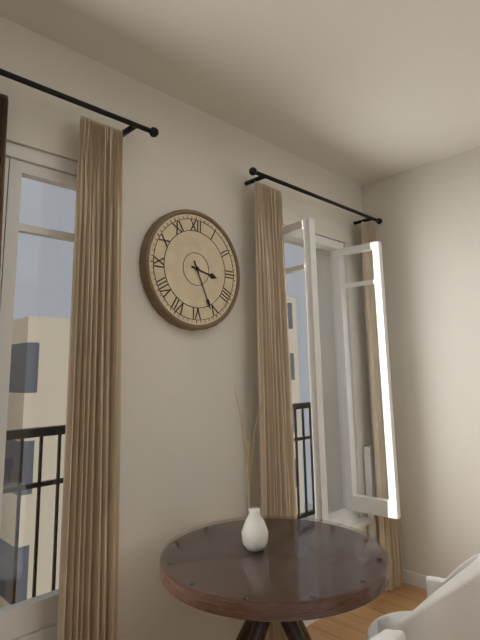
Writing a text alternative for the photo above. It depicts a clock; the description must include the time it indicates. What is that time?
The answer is 3:26
